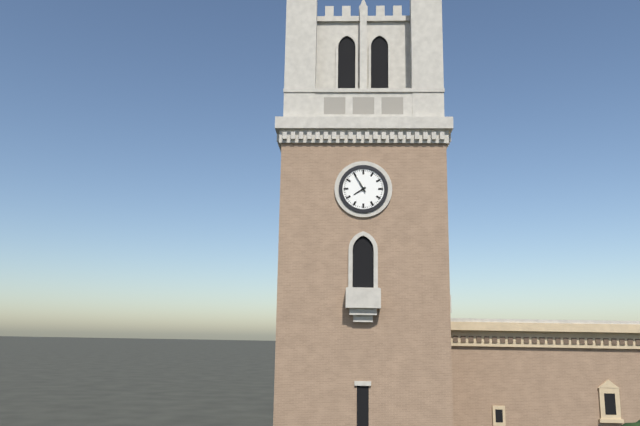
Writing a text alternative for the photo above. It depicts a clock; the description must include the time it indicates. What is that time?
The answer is 7:55
